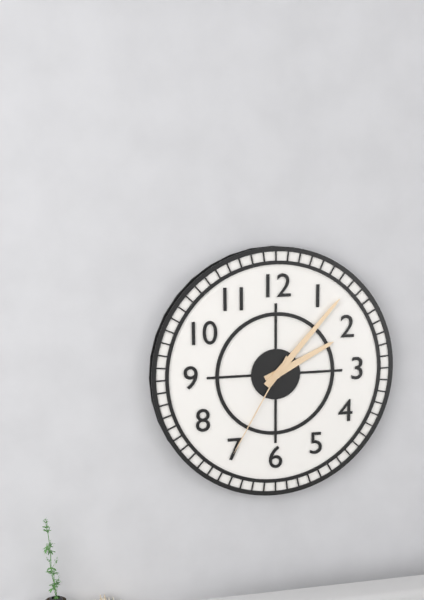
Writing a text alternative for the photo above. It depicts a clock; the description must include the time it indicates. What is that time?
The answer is 2:07:35
